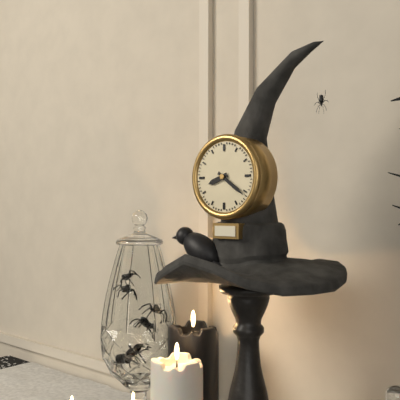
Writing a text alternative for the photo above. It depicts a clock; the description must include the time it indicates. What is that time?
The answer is 8:21
